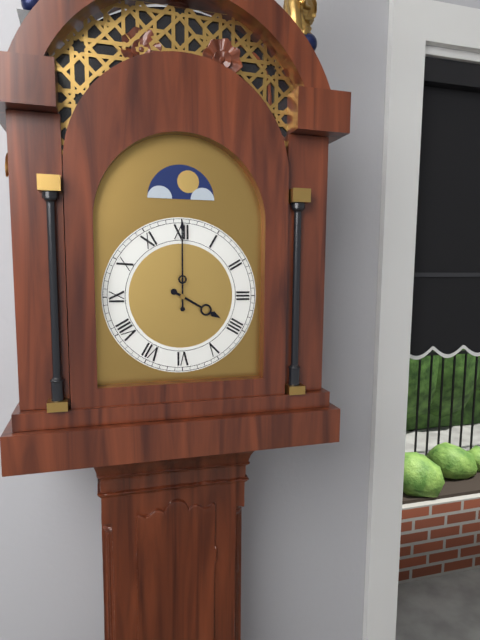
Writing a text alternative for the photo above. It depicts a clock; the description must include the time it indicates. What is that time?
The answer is 4:00
